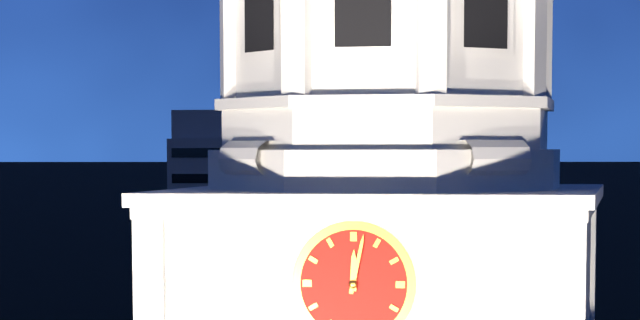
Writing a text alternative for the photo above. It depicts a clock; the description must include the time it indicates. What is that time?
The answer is 12:02
